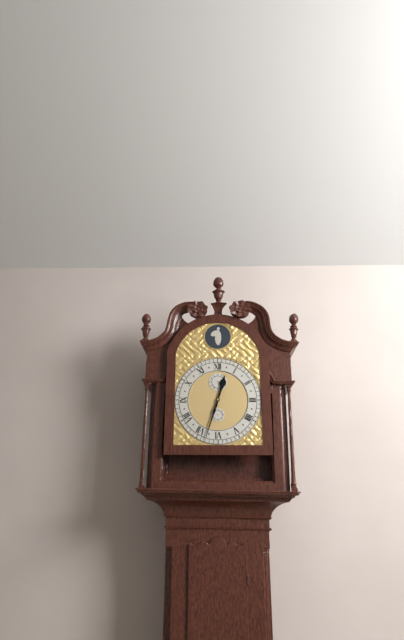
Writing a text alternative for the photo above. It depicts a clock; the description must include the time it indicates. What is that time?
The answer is 12:33
